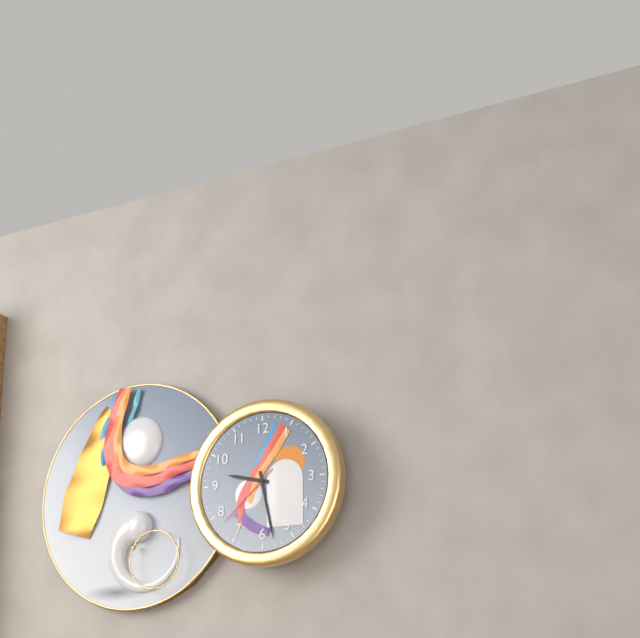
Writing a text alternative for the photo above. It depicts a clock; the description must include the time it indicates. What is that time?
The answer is 9:28:38
